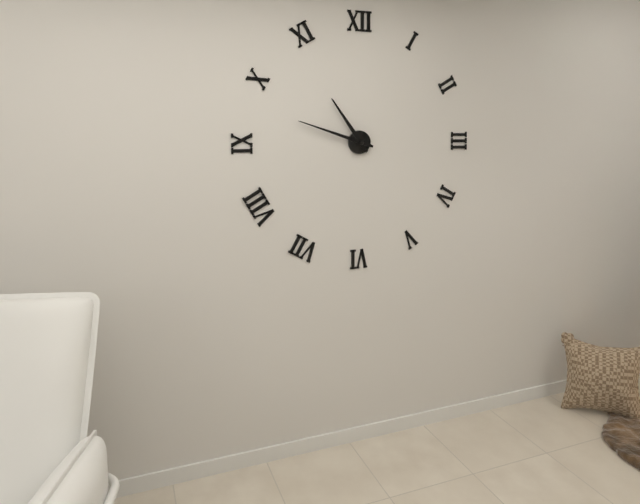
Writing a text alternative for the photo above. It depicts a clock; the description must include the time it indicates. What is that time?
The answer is 10:48
